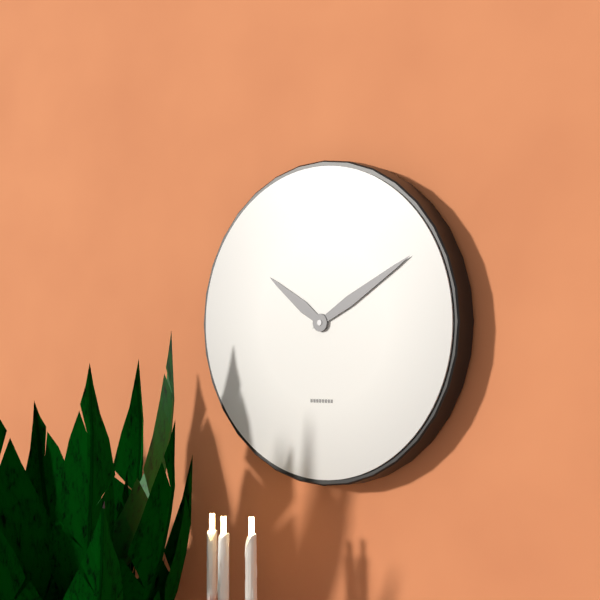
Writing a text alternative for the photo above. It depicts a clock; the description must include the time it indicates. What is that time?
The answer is 10:10
